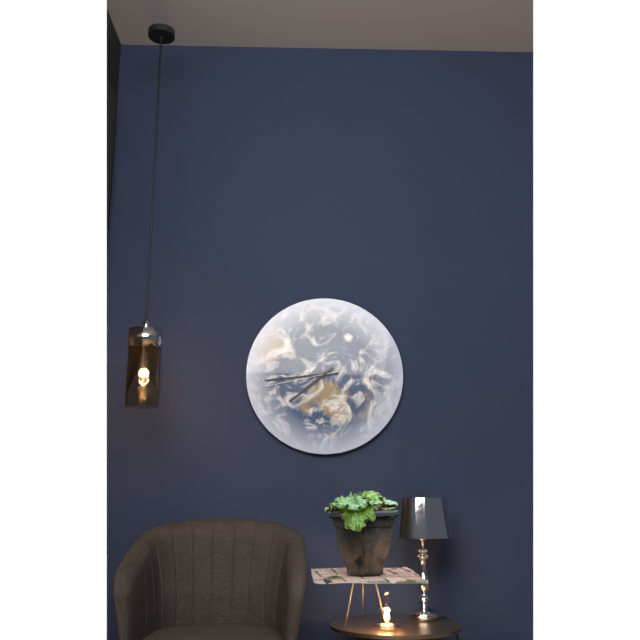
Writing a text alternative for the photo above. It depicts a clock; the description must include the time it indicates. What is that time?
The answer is 7:44:43
